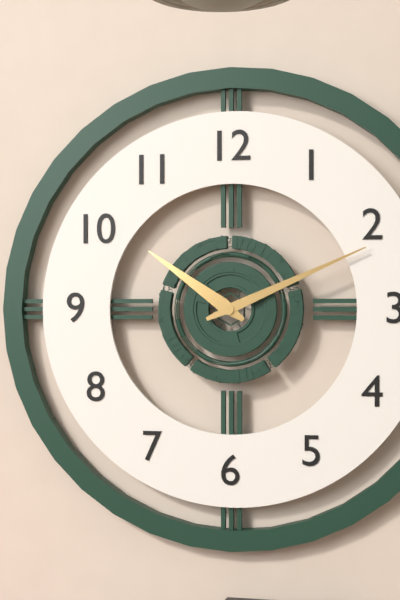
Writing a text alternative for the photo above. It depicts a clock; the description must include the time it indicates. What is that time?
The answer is 10:11
